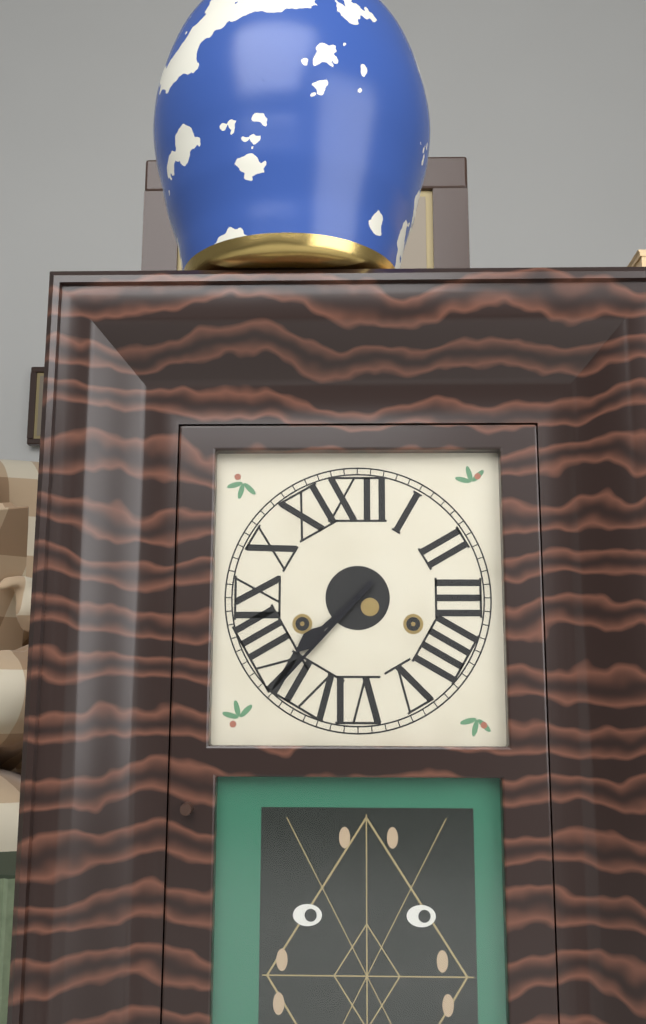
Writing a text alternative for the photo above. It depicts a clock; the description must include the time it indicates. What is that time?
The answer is 7:37
